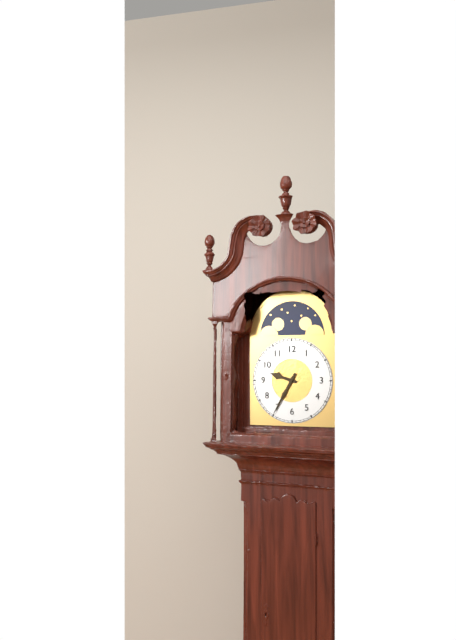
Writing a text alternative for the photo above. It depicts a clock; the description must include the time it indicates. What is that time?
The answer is 9:35
